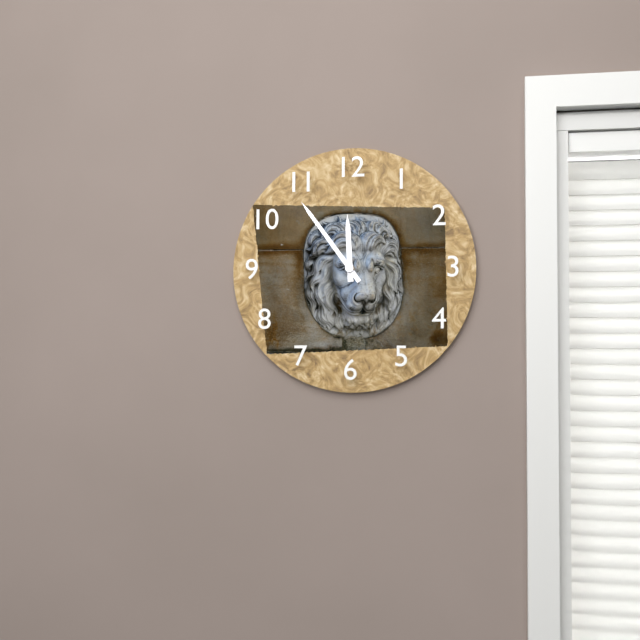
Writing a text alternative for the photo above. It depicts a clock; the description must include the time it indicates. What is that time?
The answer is 11:54
